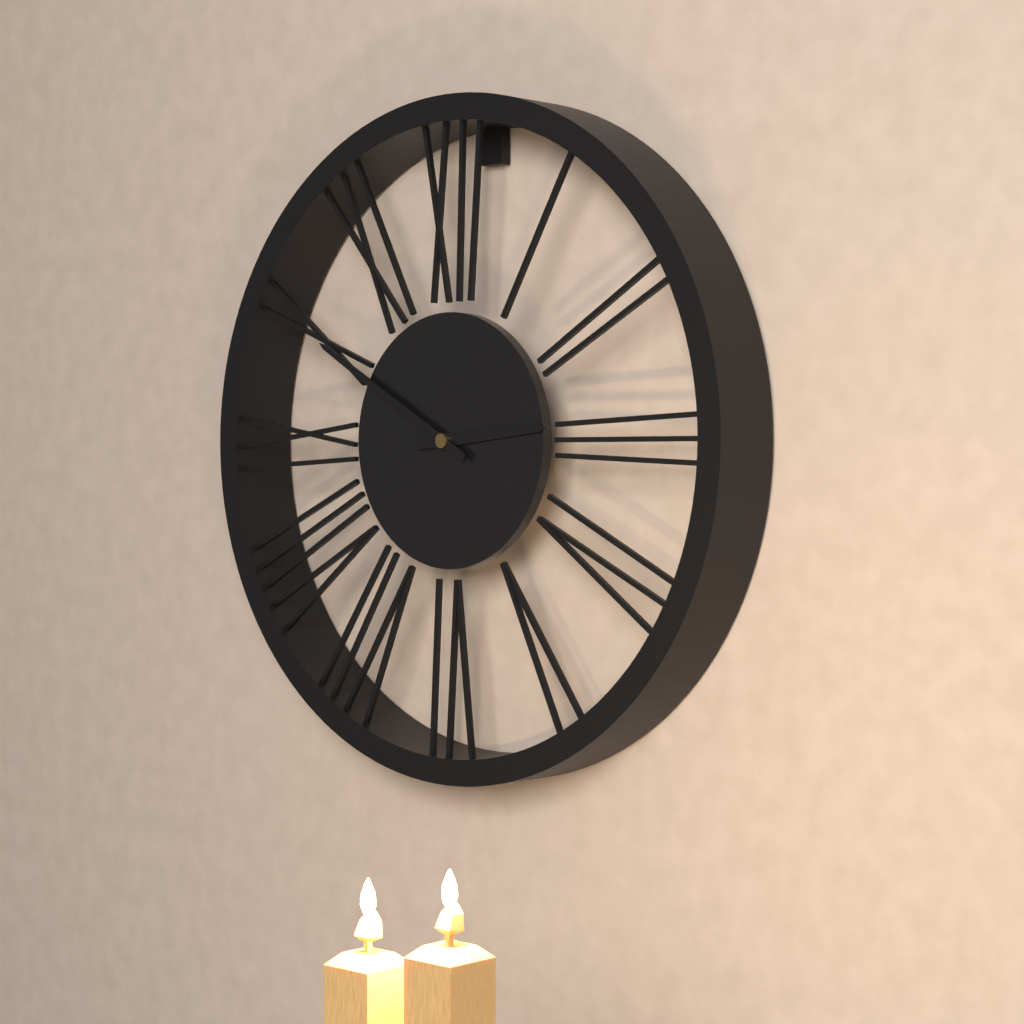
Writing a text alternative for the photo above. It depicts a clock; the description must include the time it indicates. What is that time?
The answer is 2:50
